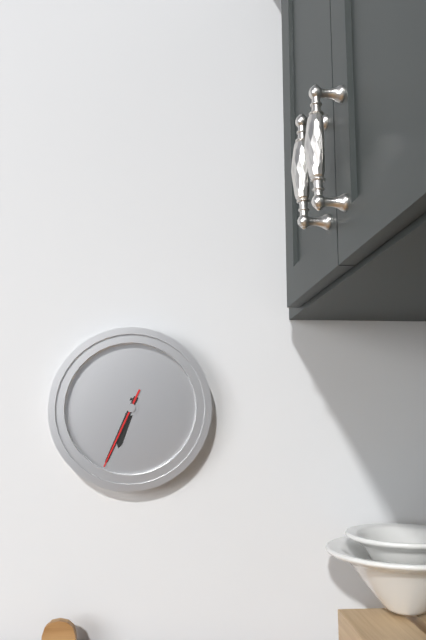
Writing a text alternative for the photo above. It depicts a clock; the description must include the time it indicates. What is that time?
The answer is 6:34:34
